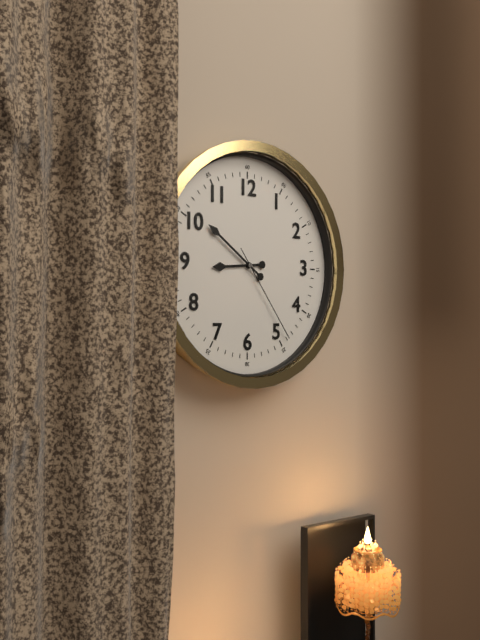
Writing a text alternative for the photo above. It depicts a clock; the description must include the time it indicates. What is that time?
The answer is 8:51:24
